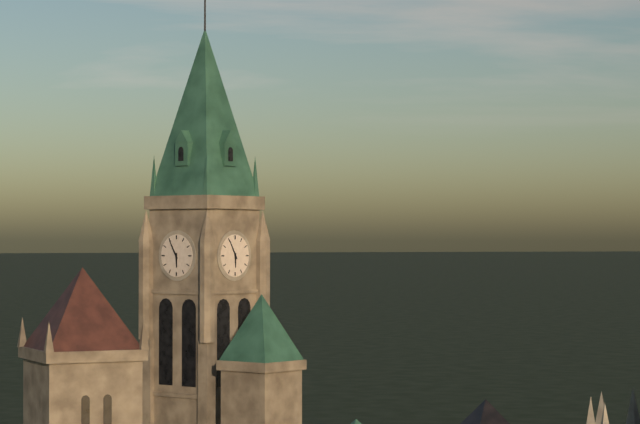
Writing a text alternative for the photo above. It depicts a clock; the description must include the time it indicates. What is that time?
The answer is 5:55
